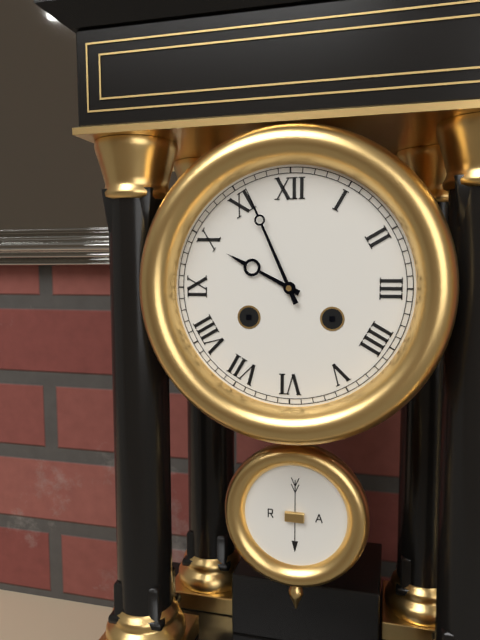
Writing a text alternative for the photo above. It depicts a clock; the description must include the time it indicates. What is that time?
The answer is 9:56
